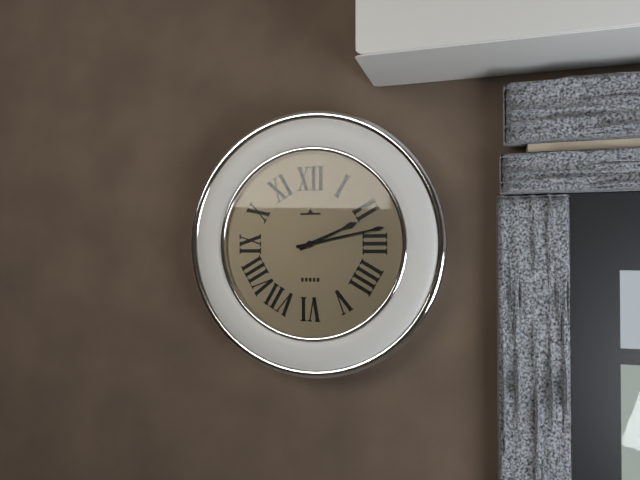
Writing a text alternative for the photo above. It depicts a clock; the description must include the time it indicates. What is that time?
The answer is 2:13
